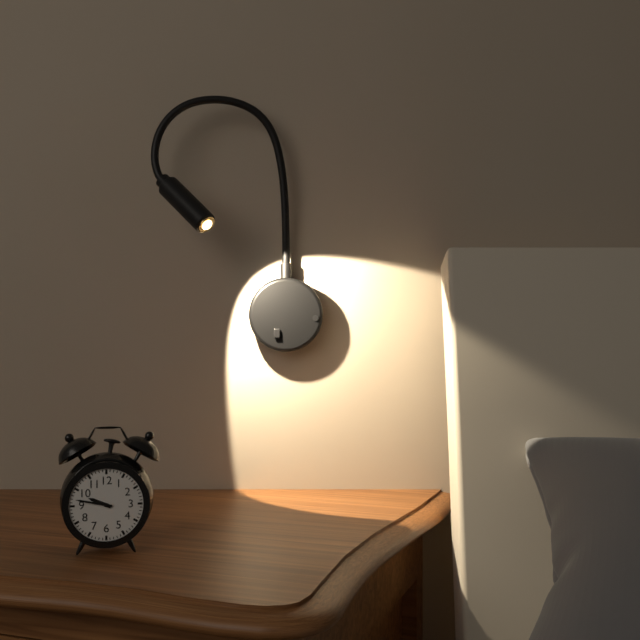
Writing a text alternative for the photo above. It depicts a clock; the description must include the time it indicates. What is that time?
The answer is 9:47
